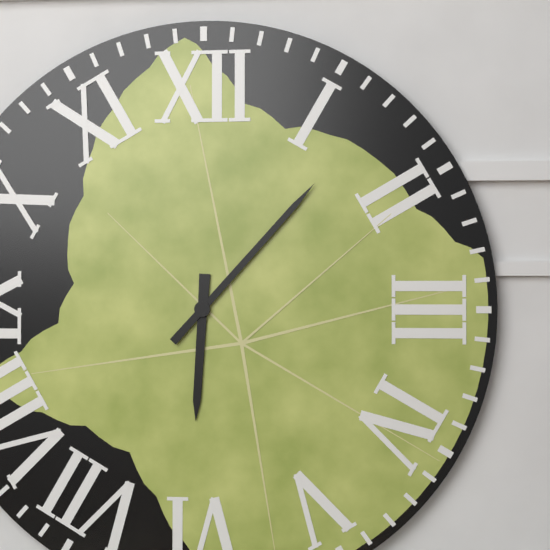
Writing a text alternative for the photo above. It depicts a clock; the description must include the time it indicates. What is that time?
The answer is 6:07
